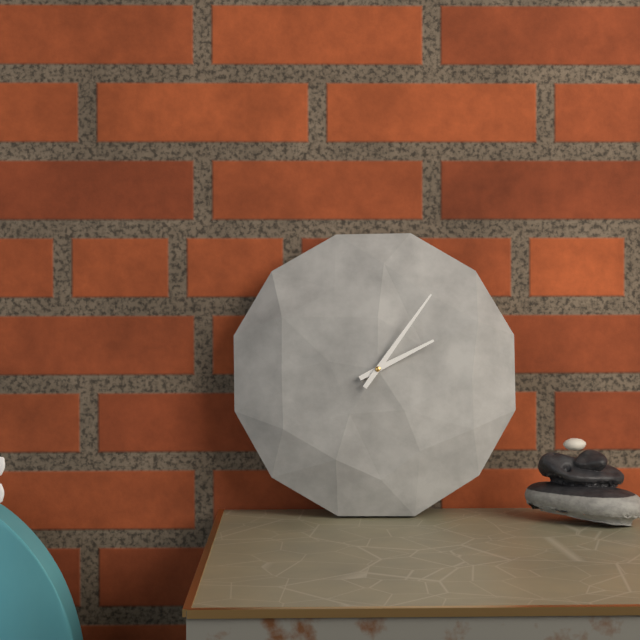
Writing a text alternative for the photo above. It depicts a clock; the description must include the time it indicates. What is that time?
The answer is 2:06
